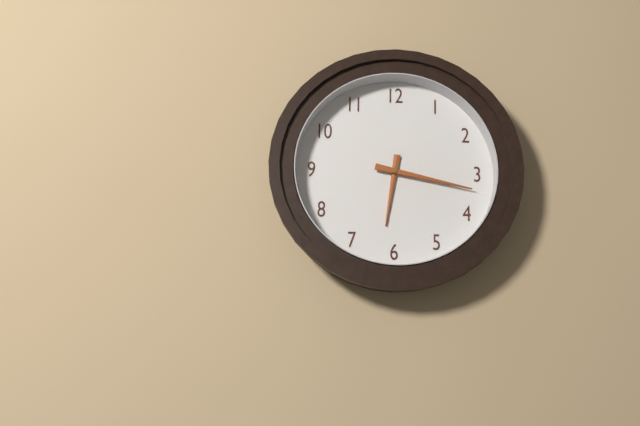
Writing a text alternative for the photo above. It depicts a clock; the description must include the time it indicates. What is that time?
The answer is 6:17
